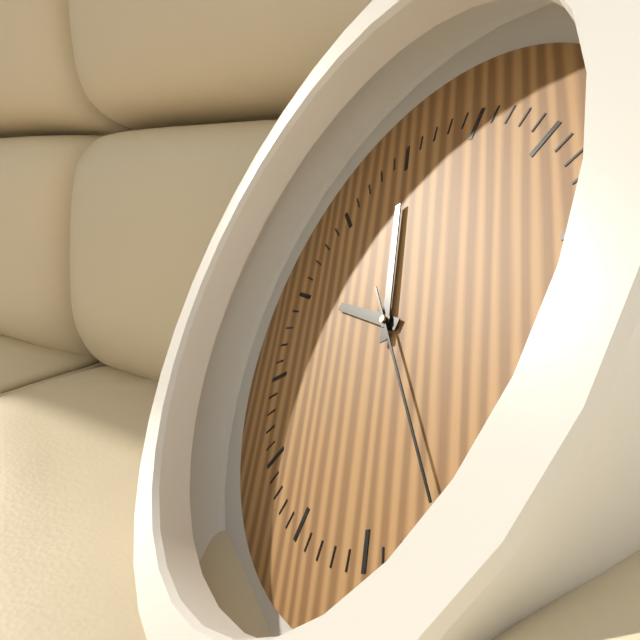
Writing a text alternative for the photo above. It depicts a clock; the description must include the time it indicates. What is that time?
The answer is 10:00:26
